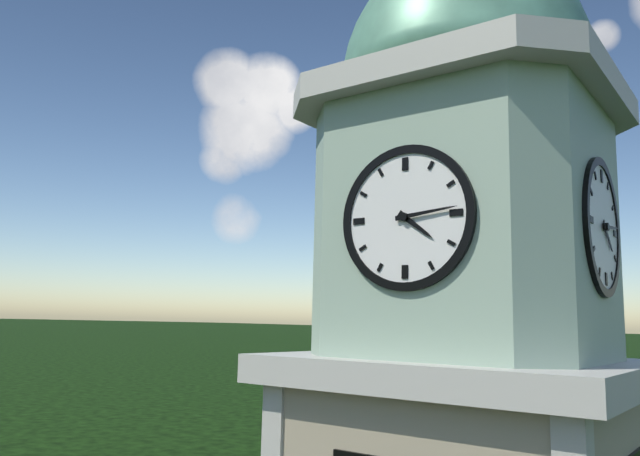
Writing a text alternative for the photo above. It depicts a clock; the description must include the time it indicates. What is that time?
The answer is 4:14
